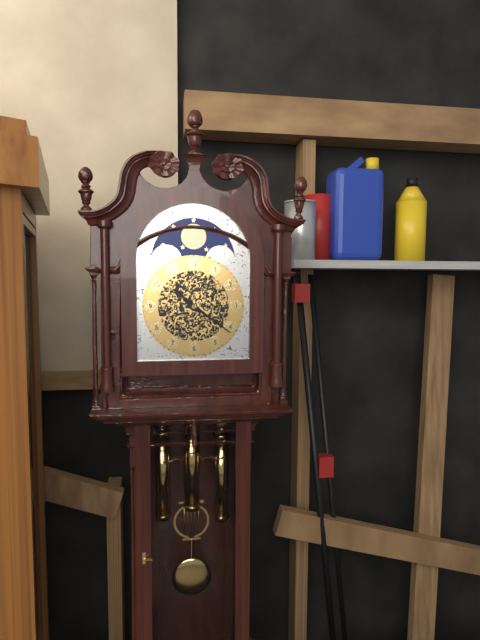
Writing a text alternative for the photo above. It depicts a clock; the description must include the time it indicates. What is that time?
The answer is 10:21
